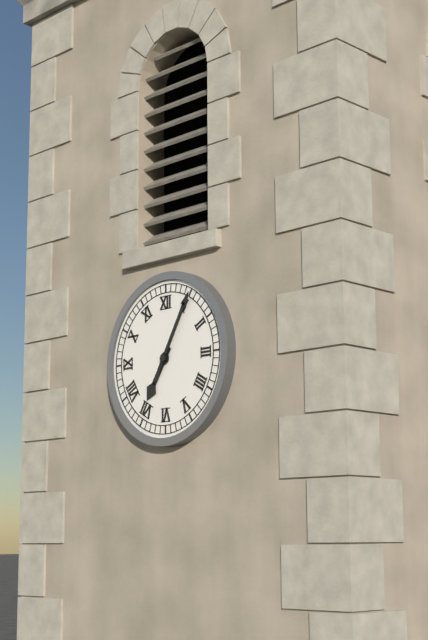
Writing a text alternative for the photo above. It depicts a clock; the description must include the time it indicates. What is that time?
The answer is 7:05
